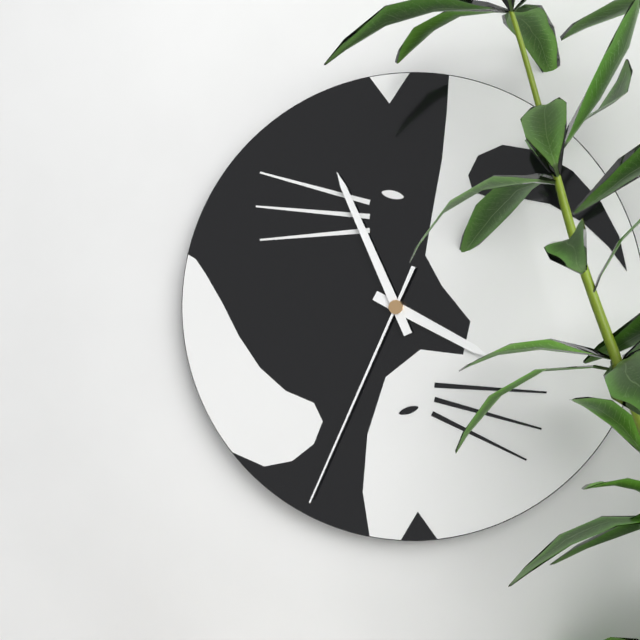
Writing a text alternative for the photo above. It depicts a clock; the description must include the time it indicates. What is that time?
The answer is 3:56:34
